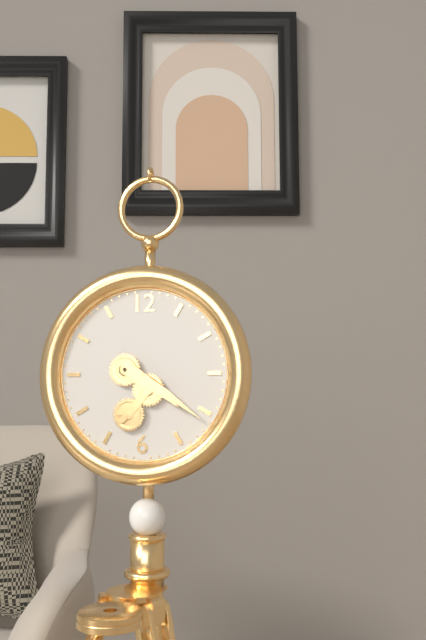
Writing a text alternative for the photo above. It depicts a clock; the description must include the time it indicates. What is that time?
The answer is 4:21
